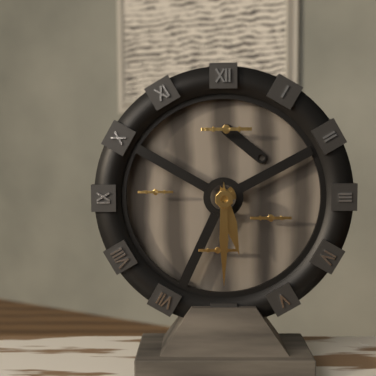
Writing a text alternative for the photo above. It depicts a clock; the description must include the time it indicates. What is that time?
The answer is 5:30
